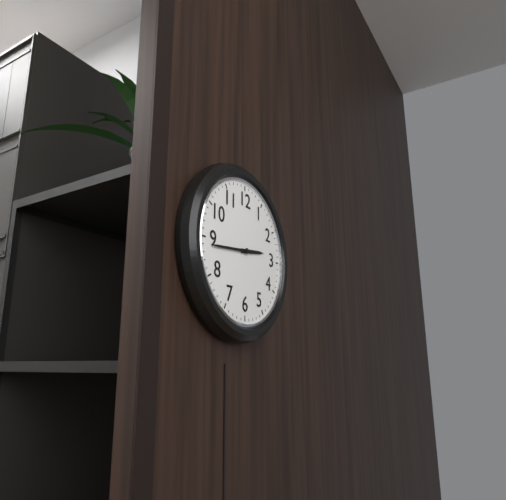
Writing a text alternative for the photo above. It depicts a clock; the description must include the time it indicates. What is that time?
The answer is 2:44
